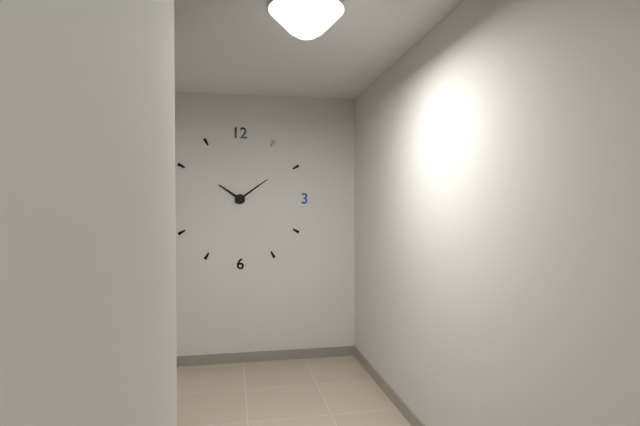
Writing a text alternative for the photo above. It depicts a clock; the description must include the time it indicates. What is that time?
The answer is 10:09
